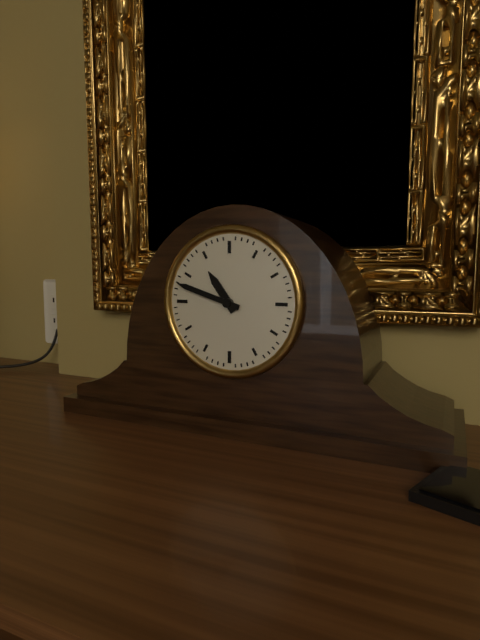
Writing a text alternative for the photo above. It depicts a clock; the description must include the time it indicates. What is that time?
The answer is 10:48
